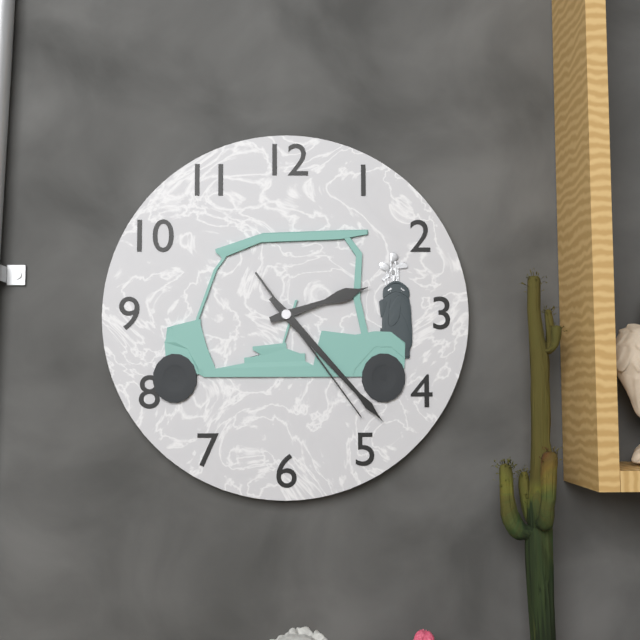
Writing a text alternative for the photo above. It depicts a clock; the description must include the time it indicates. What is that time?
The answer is 2:23:24
